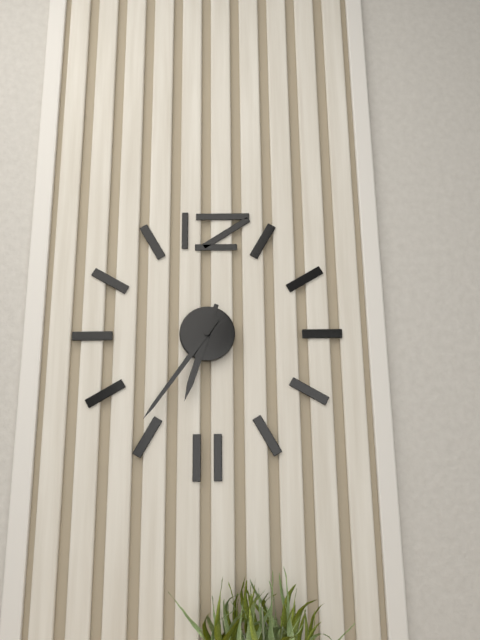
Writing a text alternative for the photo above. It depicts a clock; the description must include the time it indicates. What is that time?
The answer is 6:36
